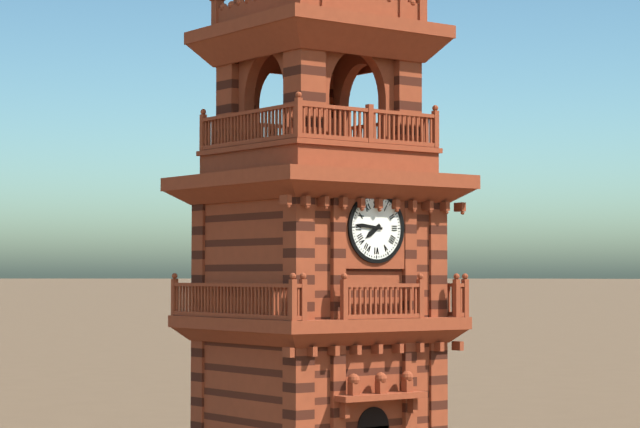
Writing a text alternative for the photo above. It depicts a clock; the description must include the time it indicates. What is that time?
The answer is 7:46
